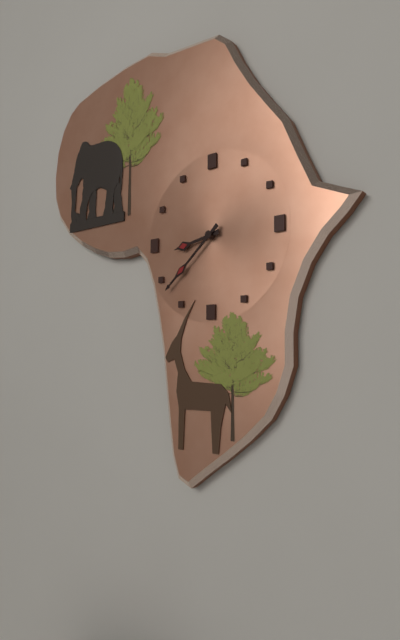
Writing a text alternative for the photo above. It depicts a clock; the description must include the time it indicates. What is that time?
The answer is 8:38
